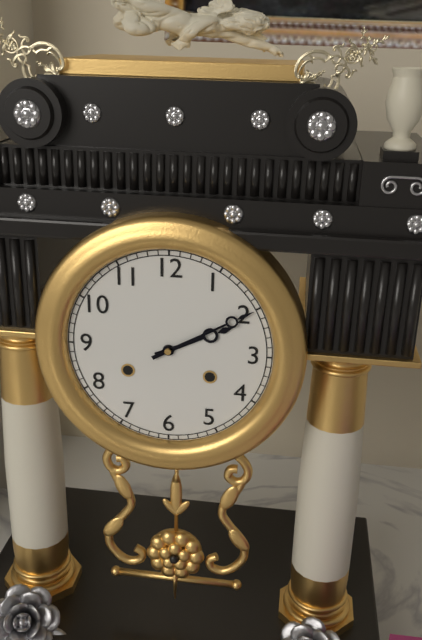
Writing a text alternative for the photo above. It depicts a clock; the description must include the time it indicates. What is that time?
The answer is 2:10
